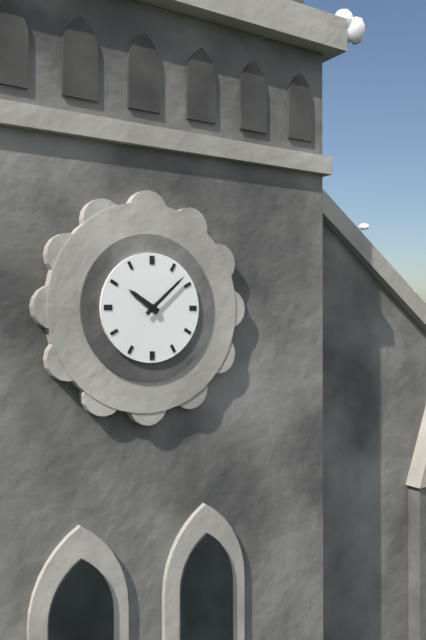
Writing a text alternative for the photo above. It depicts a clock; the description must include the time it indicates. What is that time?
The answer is 10:08
